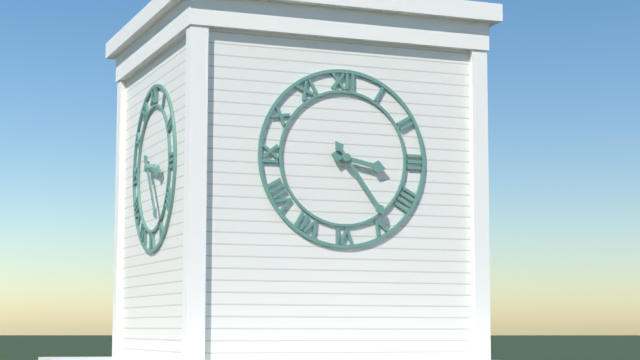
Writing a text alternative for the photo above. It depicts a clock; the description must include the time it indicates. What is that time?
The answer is 3:24
